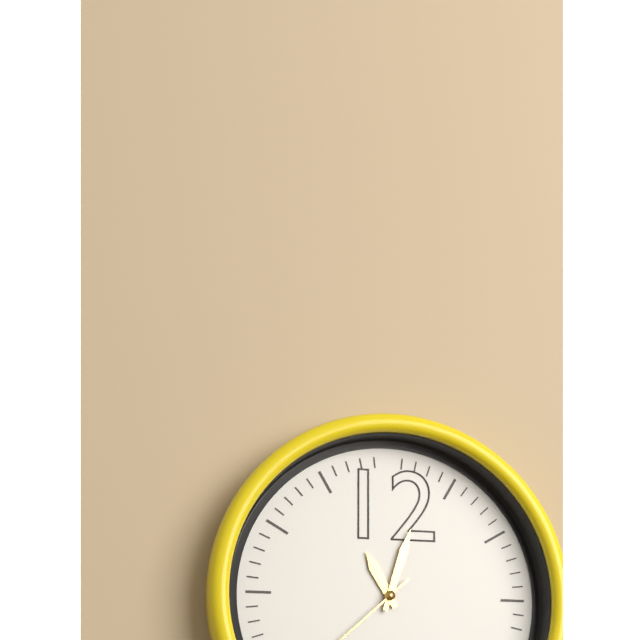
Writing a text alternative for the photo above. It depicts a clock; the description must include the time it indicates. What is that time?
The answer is 11:03
